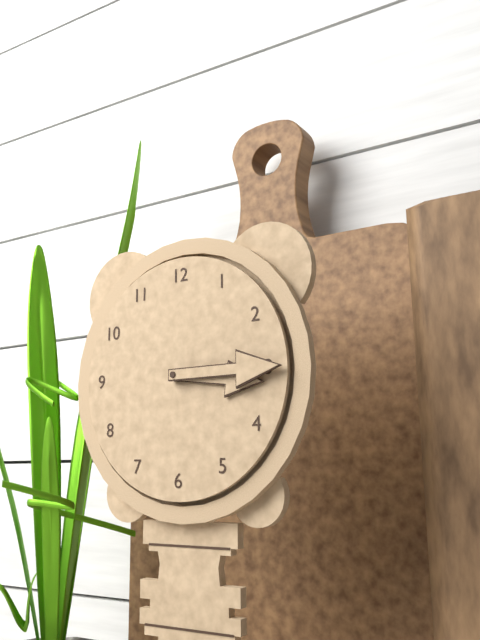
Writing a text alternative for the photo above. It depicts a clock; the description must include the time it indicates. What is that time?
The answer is 3:15
